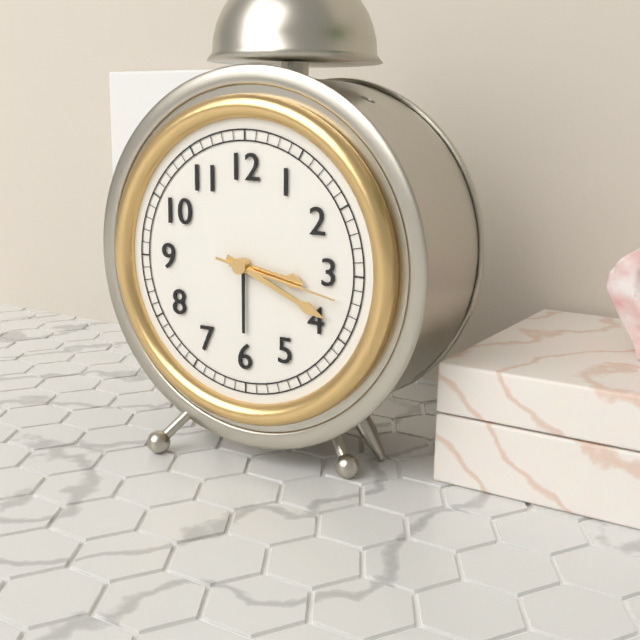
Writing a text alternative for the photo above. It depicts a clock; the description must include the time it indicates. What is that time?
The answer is 3:19:17
